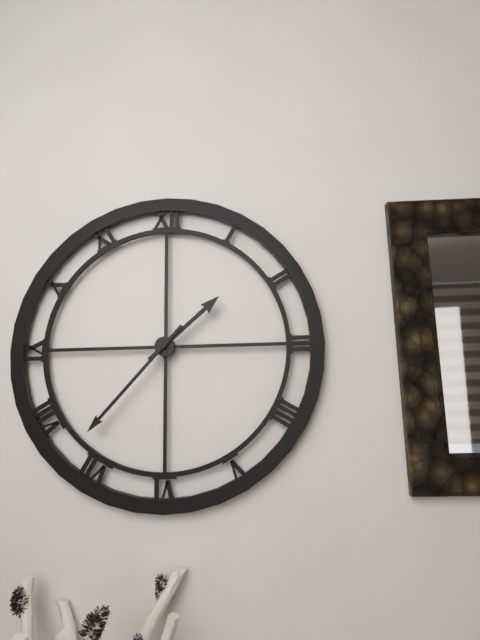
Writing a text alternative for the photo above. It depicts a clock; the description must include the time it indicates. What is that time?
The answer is 1:37
